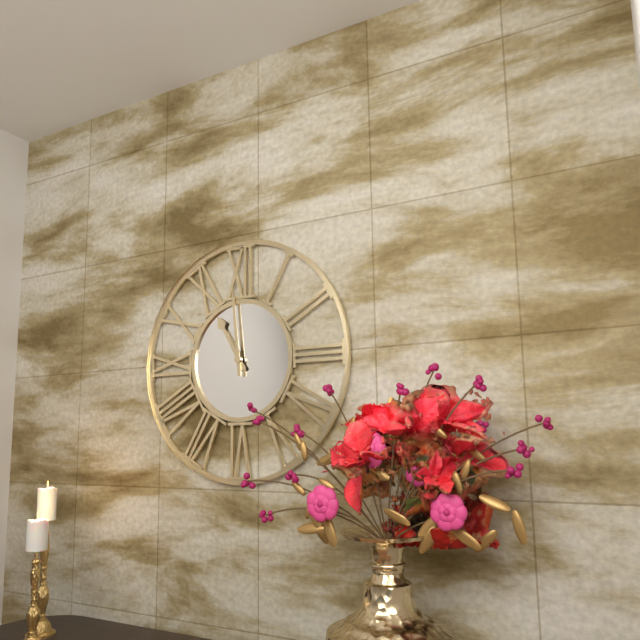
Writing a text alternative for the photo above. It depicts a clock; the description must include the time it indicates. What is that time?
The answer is 10:59
